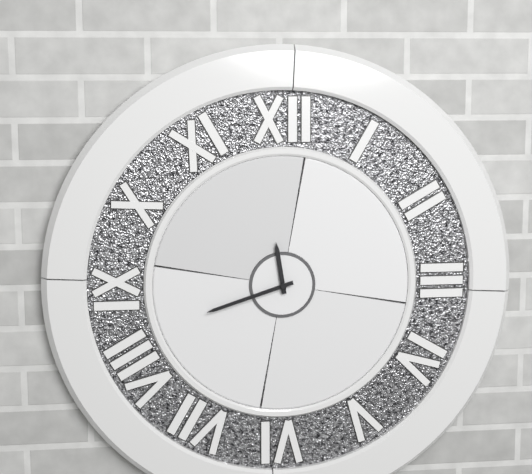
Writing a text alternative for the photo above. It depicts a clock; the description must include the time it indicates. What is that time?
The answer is 11:42
